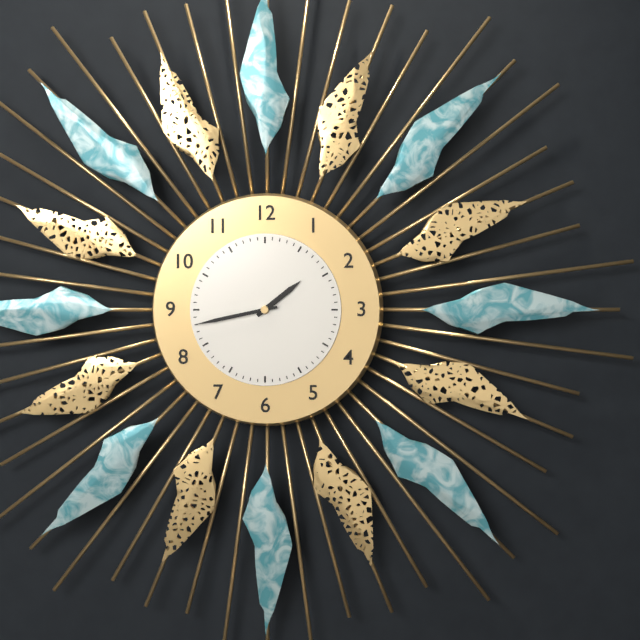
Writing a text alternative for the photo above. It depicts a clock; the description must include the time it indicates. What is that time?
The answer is 1:43
